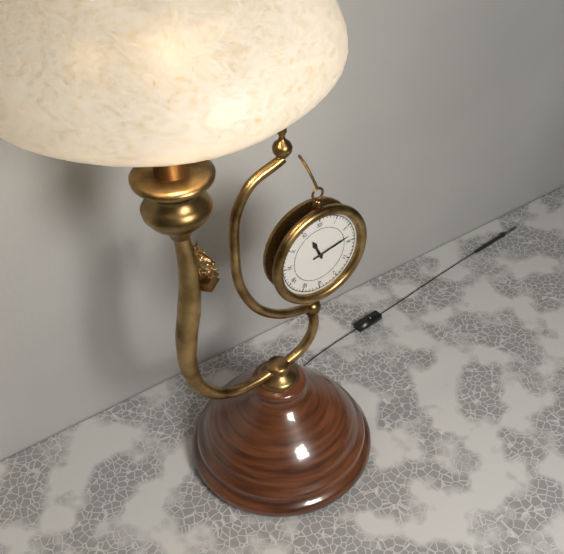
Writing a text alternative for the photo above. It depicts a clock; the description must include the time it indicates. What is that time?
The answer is 11:13
